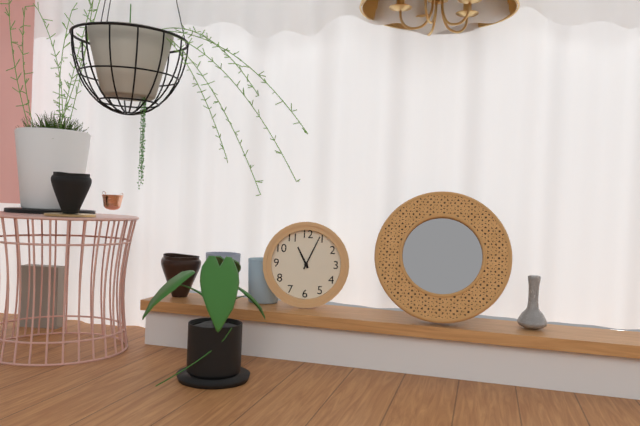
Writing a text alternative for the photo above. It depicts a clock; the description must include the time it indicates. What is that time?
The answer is 11:04
